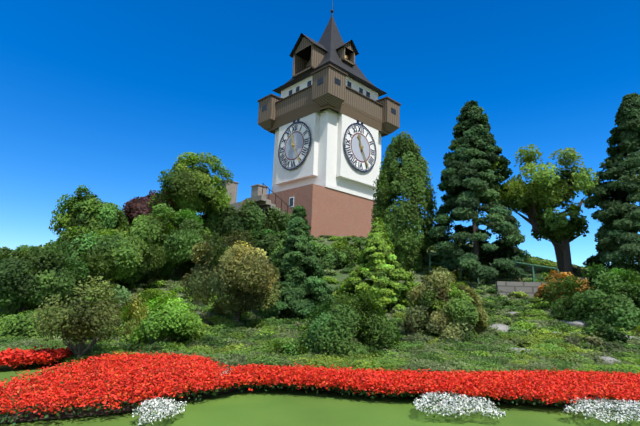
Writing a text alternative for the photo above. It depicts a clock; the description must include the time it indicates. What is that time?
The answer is 11:25
